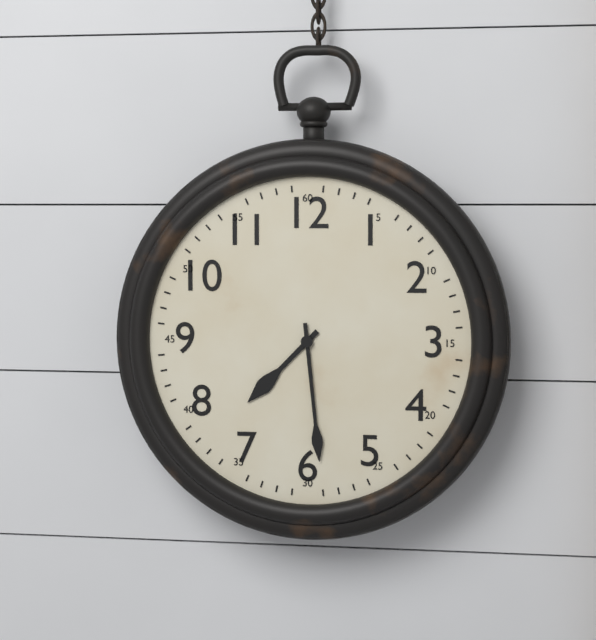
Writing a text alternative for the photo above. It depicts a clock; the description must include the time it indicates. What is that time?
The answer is 7:29
